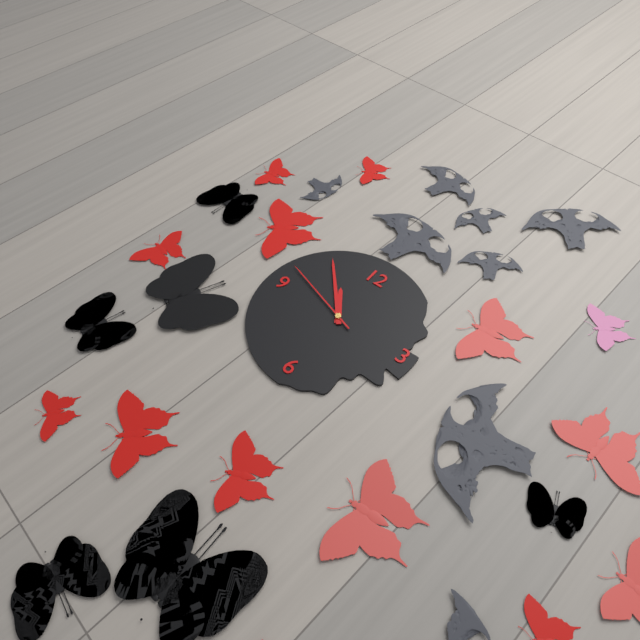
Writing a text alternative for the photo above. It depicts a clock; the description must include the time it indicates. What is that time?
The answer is 10:53:48
